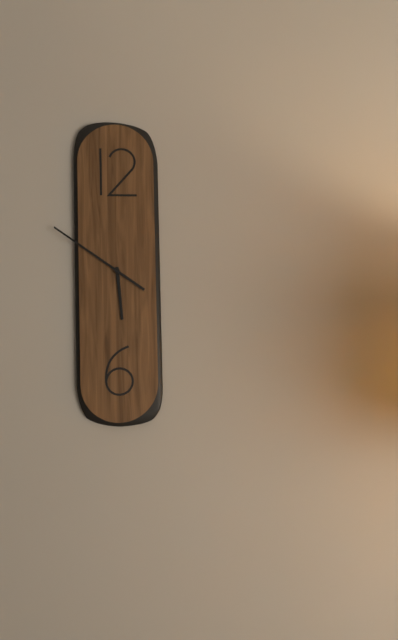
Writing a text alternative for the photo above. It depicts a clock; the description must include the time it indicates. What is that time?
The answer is 5:51
